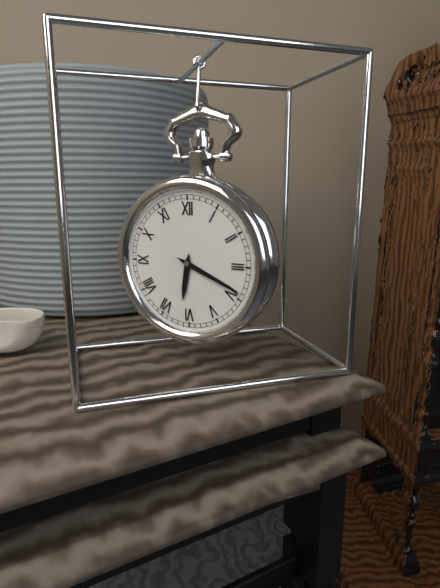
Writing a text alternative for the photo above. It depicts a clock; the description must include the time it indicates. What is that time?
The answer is 6:19
